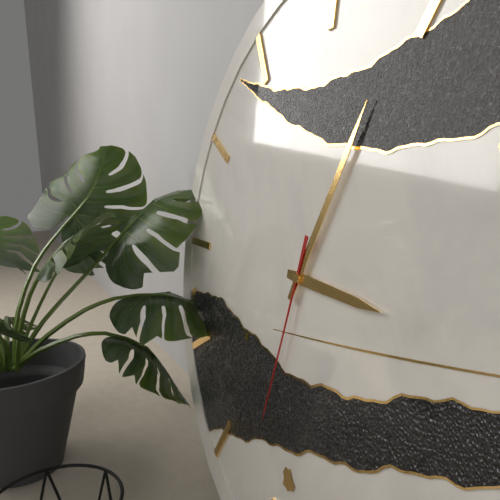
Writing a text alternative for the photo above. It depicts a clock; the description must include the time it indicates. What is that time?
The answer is 3:04:32
